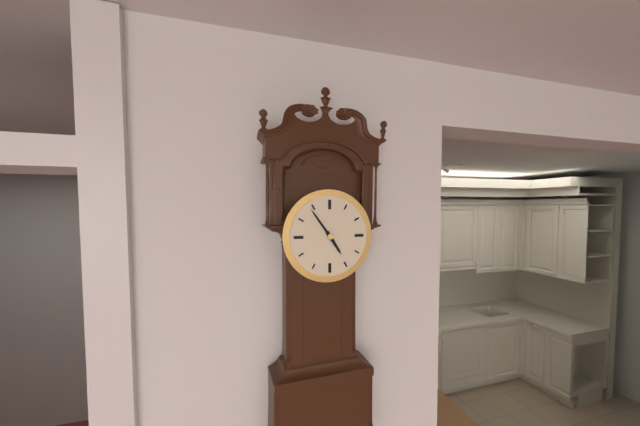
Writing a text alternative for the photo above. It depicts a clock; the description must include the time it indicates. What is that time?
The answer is 4:54
